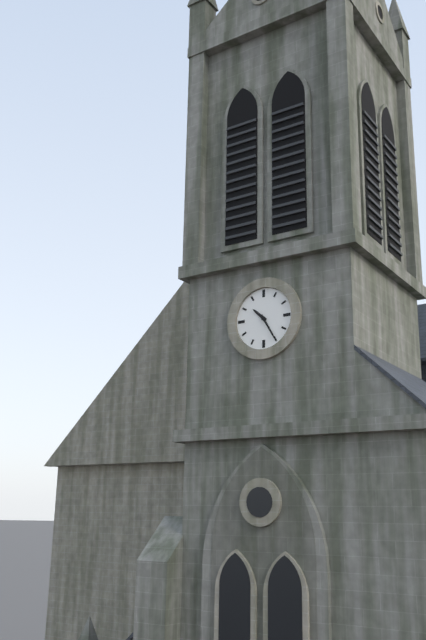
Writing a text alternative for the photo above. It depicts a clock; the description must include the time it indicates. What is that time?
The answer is 10:25
